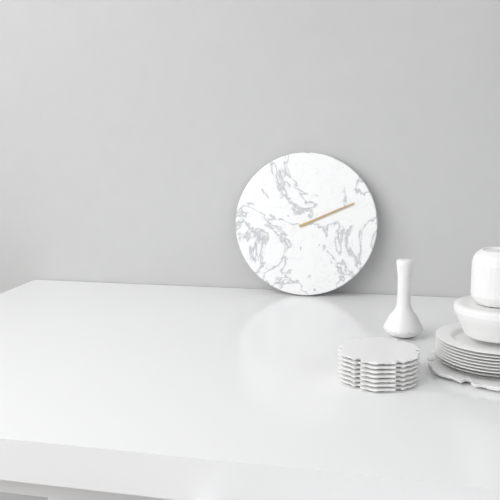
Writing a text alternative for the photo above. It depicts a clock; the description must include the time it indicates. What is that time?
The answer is 2:11
